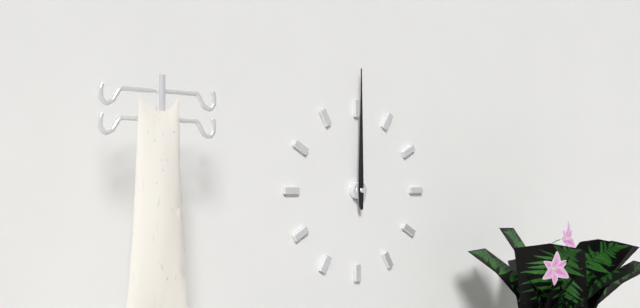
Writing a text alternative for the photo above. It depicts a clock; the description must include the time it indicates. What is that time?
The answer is 12:00
